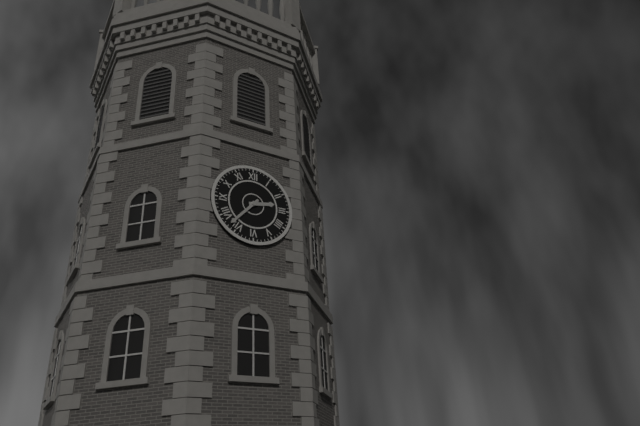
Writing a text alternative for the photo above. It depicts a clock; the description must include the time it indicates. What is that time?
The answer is 2:37
